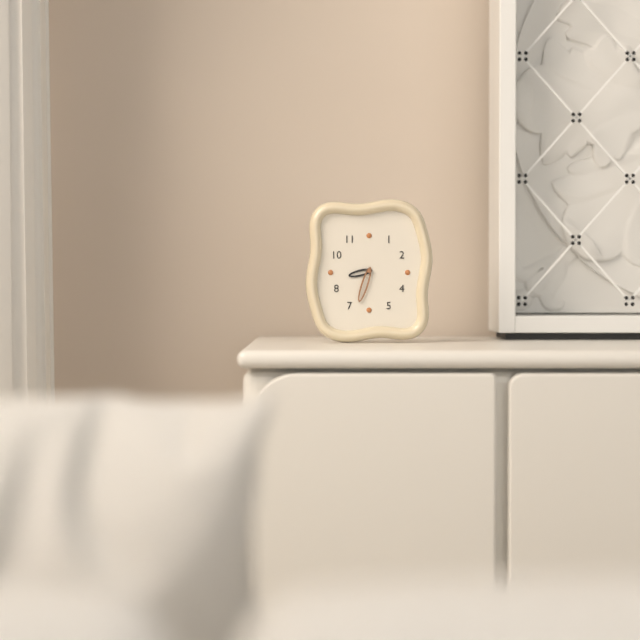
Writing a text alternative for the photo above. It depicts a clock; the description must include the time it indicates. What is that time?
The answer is 8:33
